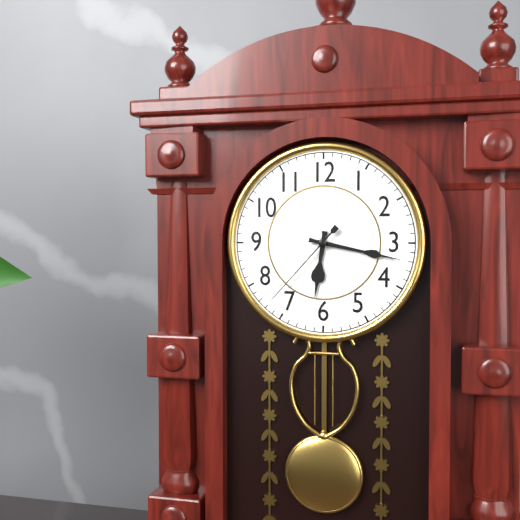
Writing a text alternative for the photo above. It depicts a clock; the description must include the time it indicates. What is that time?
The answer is 6:17:37
